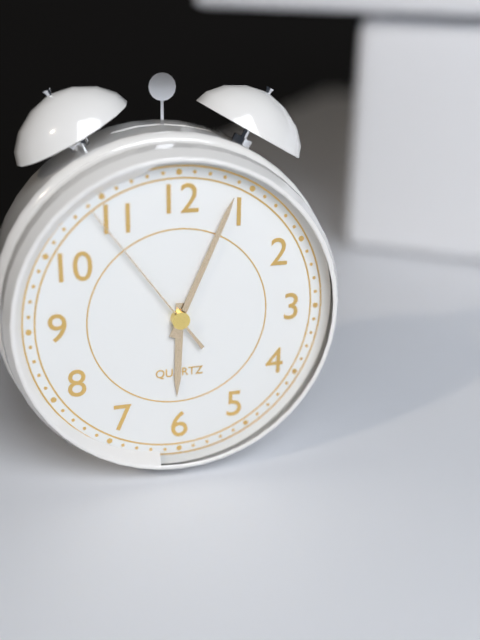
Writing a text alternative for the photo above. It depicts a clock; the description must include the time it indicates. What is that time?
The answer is 6:04:54
